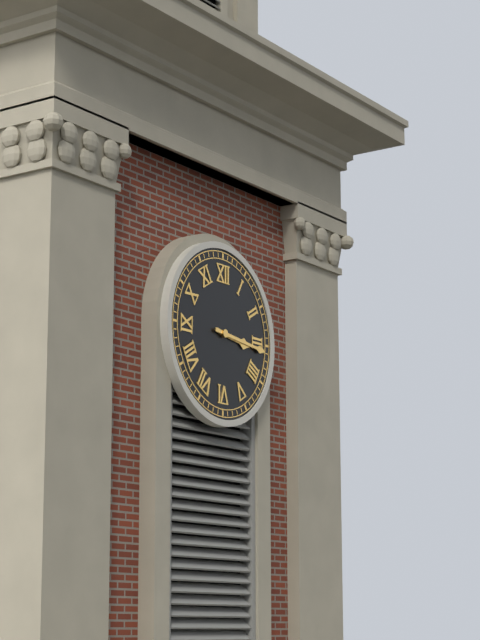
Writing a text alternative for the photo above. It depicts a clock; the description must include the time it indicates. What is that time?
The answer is 3:16
